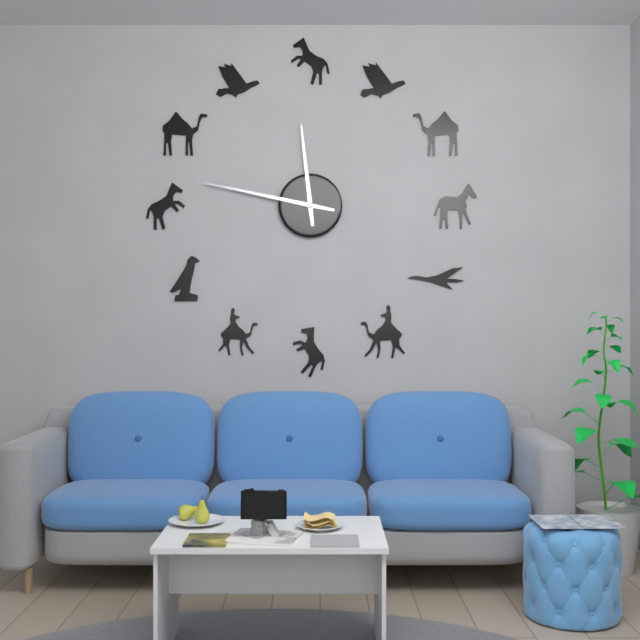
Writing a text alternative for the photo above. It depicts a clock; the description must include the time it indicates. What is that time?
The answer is 11:47
